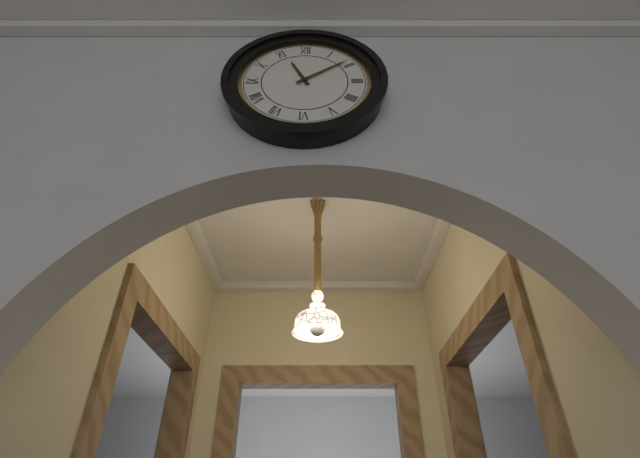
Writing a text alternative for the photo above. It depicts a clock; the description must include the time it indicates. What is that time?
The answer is 11:09
